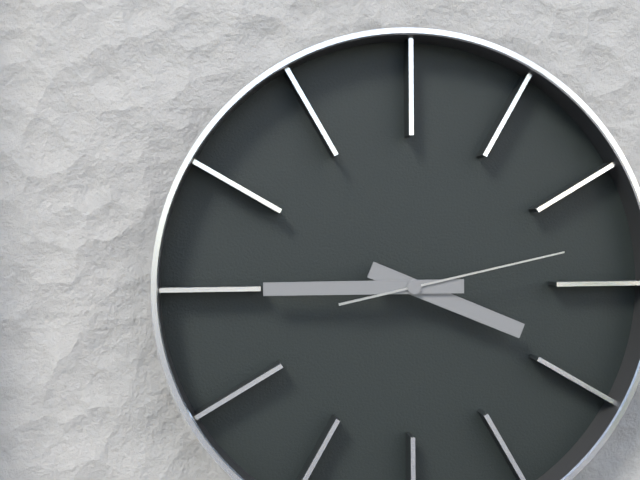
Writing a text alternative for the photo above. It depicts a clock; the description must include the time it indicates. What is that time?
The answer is 3:45:13
